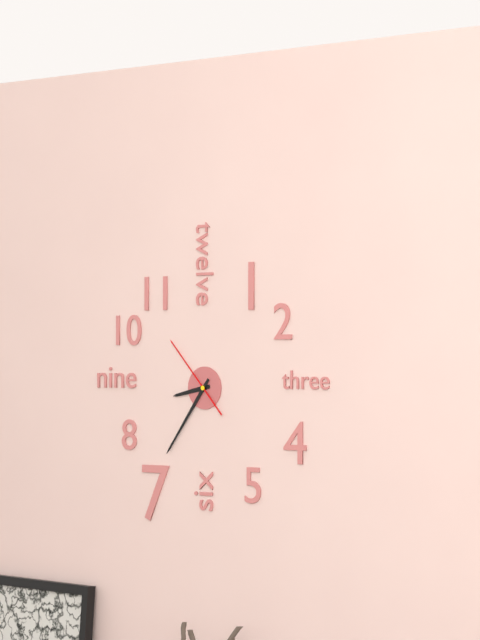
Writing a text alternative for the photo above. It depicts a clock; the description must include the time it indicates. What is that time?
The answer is 8:36:53
